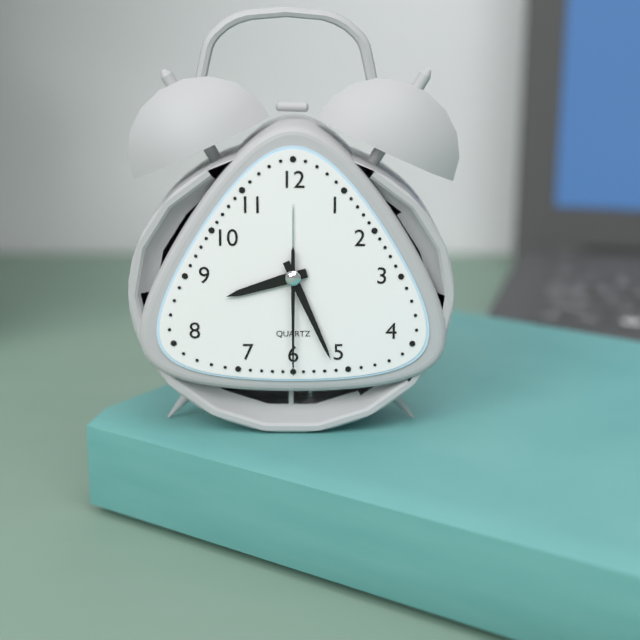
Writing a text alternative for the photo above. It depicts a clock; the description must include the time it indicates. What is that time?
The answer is 8:26:30
